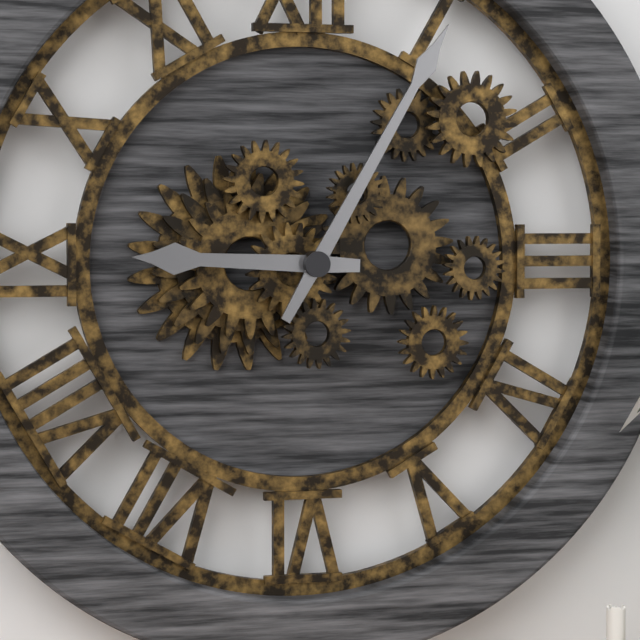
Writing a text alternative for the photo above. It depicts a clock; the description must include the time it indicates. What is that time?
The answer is 9:05
